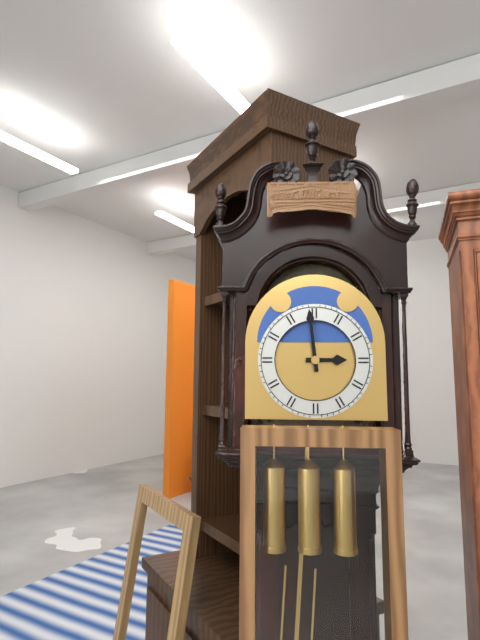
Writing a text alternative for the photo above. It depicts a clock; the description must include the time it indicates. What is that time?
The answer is 2:59
